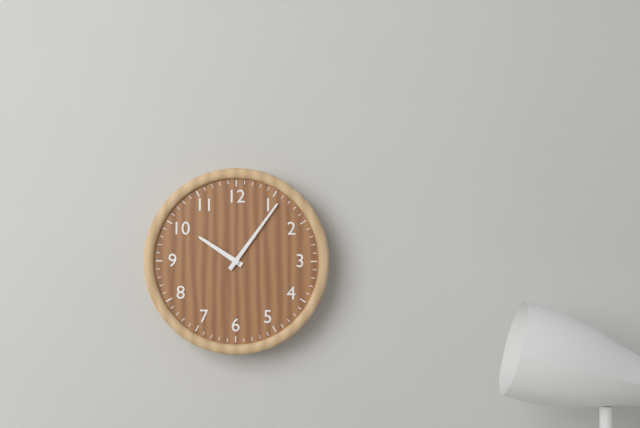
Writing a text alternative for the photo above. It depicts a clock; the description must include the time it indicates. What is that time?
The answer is 10:06
